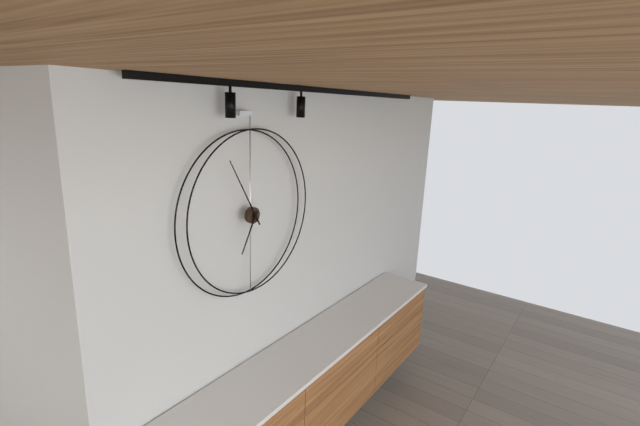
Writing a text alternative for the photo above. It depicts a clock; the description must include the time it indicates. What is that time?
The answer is 6:55
